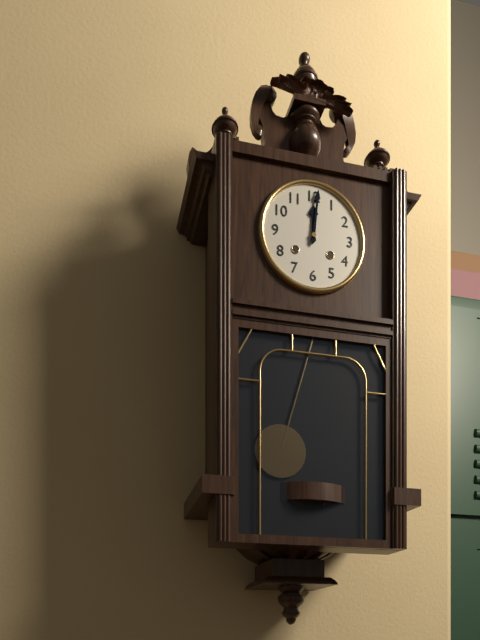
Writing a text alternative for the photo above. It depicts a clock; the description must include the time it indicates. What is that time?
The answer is 12:01
